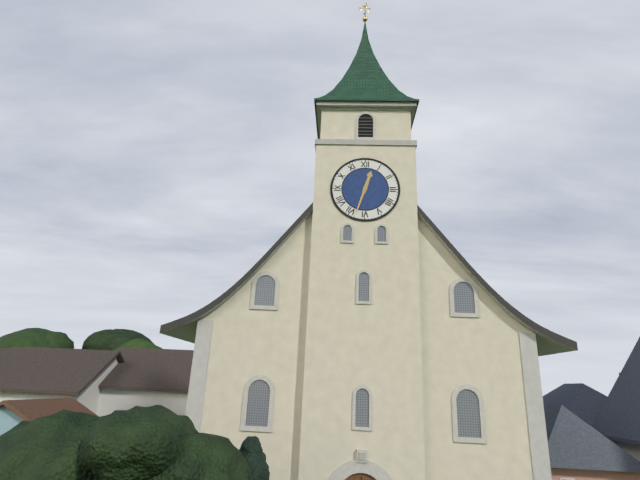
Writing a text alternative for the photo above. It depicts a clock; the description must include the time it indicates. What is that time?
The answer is 12:33
